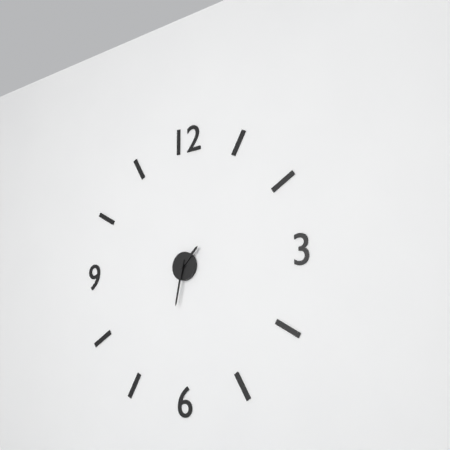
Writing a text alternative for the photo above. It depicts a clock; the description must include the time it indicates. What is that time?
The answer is 1:32
